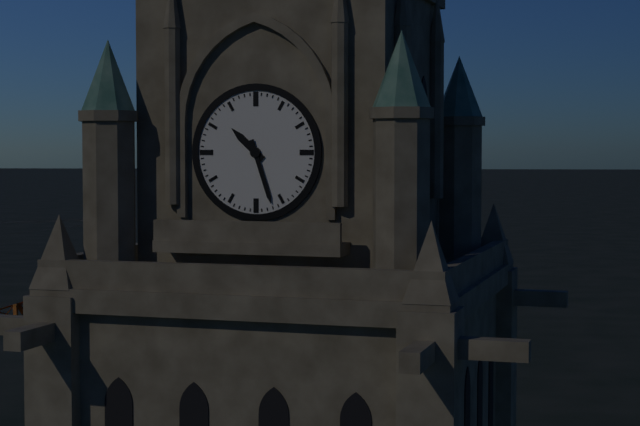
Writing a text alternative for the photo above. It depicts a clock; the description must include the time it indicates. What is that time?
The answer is 10:27
